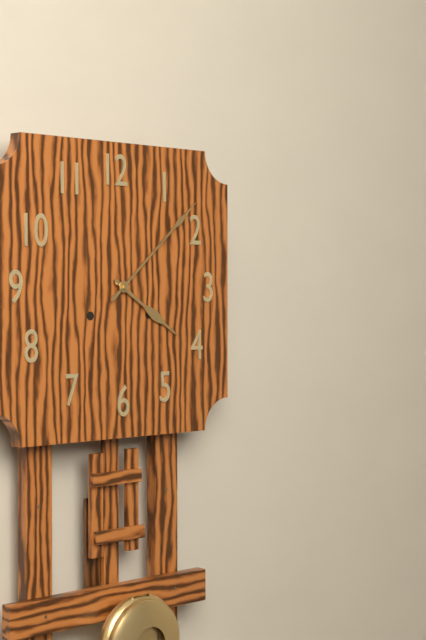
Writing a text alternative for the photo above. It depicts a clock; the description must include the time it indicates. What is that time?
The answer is 4:08
